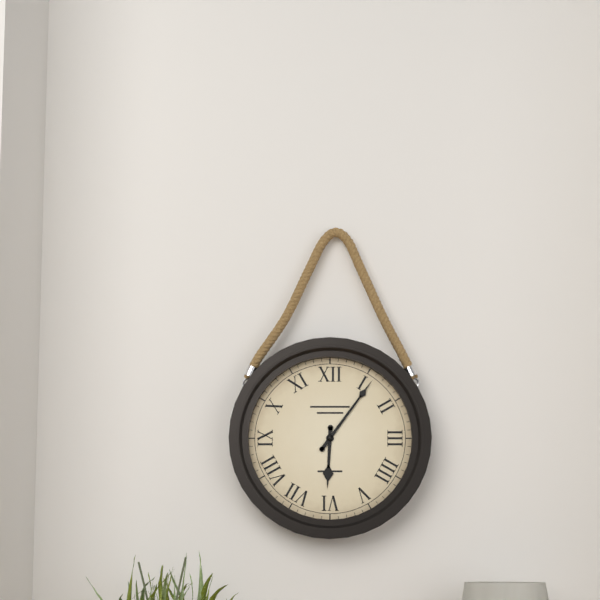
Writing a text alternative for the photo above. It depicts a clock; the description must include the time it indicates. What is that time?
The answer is 6:06
